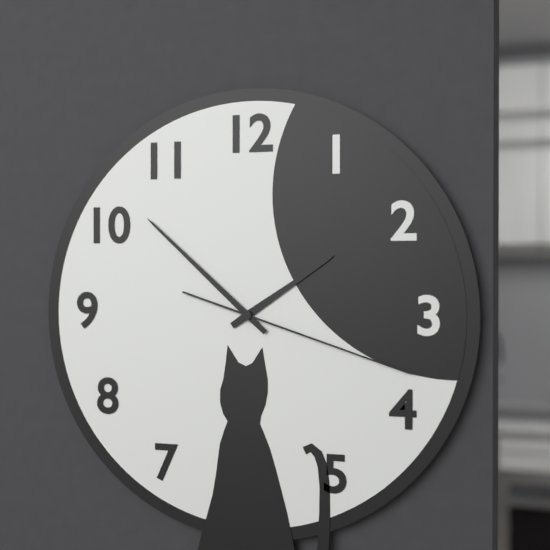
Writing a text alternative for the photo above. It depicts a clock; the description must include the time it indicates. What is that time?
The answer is 1:52:18
